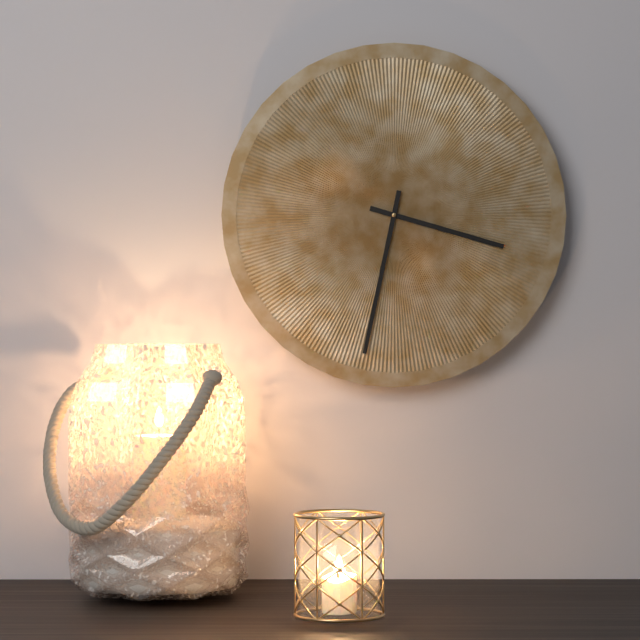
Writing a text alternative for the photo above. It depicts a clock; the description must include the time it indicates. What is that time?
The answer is 3:32
